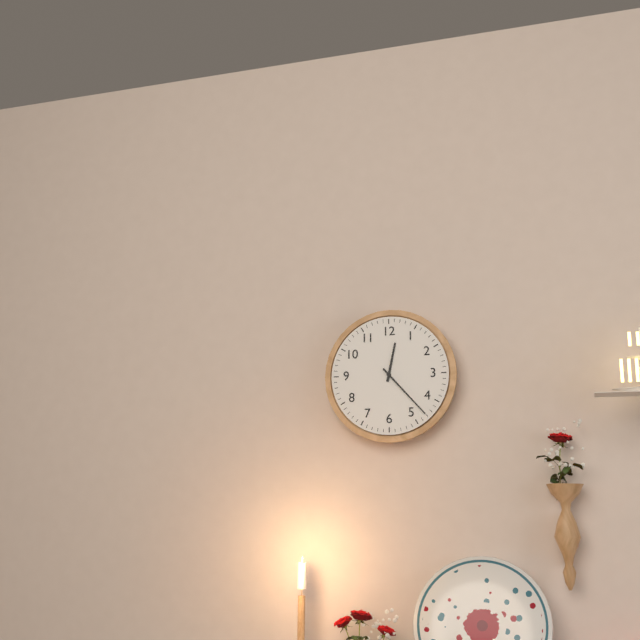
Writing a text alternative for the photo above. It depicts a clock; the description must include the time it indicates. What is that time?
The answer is 12:23
